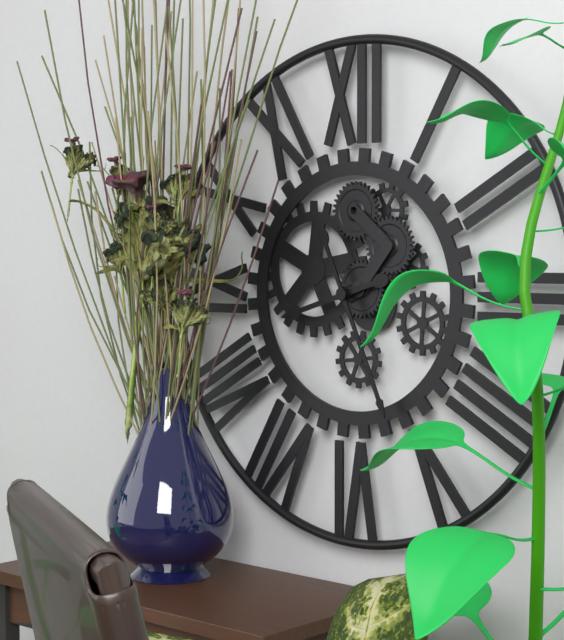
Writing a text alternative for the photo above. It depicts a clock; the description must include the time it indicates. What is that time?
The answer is 8:26
